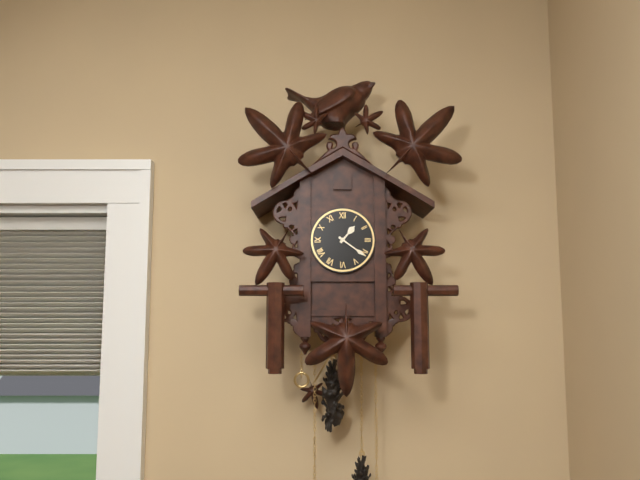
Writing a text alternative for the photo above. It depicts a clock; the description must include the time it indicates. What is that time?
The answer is 1:21
